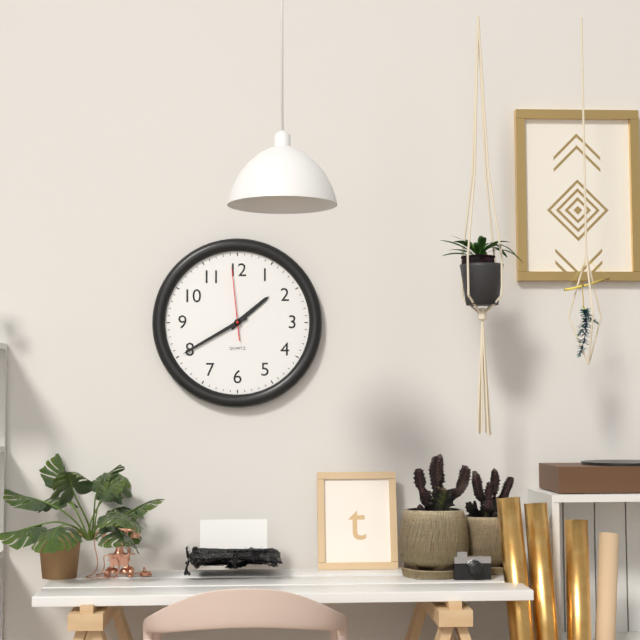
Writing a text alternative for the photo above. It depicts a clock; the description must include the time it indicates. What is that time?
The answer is 1:40:59
